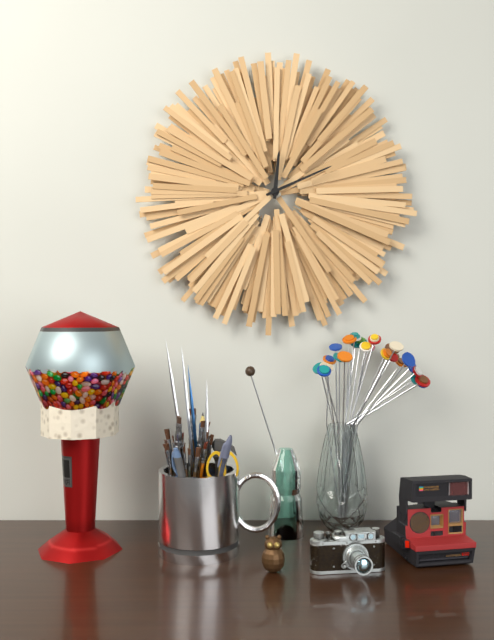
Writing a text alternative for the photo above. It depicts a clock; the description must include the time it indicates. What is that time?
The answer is 12:11
